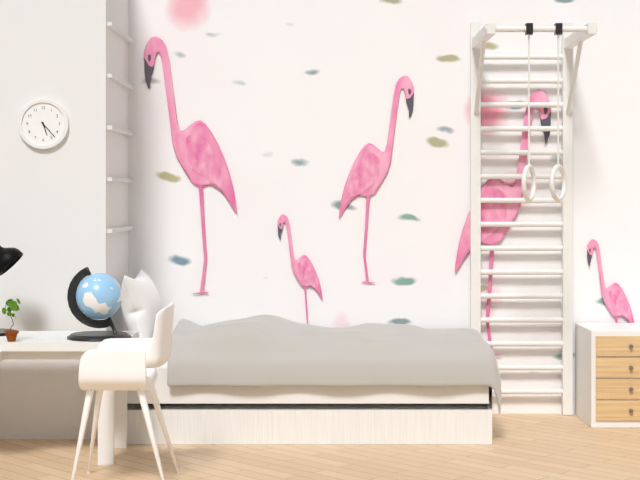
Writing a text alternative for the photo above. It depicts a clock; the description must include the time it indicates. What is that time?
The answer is 5:23
